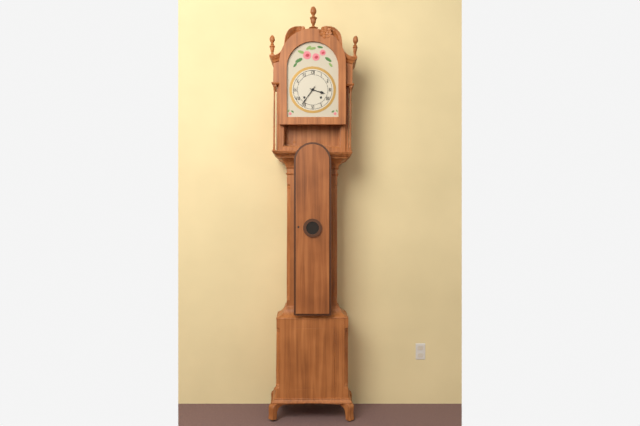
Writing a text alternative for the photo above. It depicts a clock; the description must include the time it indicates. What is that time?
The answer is 3:36
